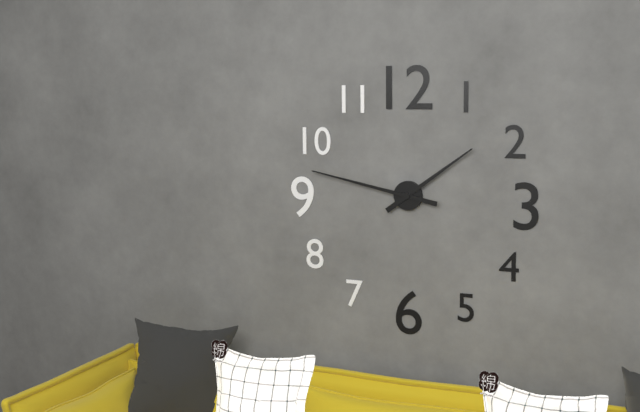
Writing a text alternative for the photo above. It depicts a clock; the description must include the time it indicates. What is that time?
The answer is 1:47
